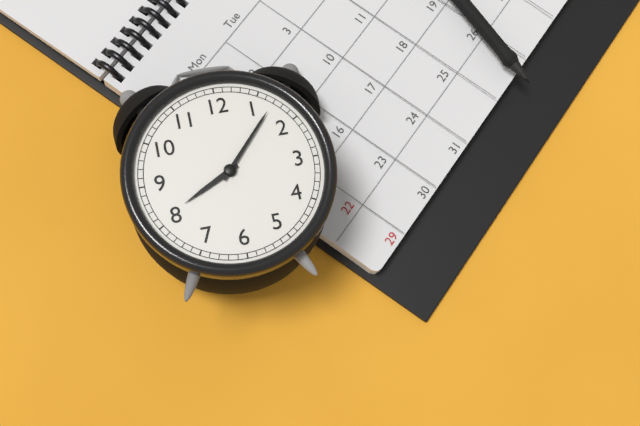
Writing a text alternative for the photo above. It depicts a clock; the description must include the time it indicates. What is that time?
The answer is 8:07
